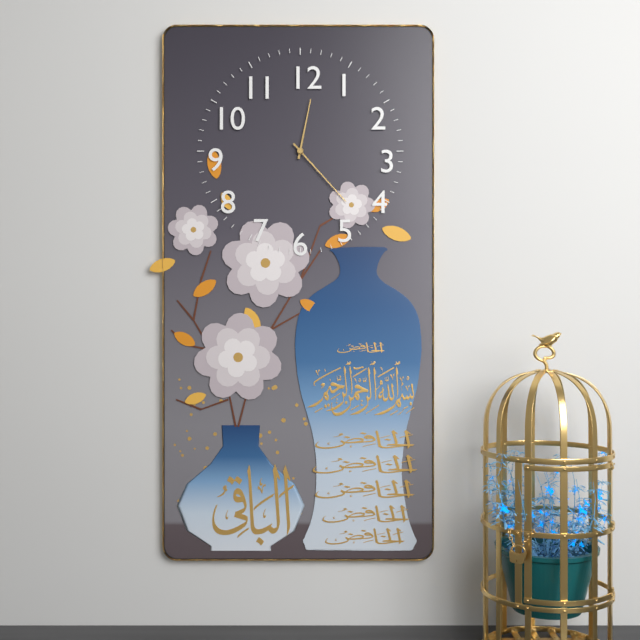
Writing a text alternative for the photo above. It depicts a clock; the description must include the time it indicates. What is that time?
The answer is 12:23
